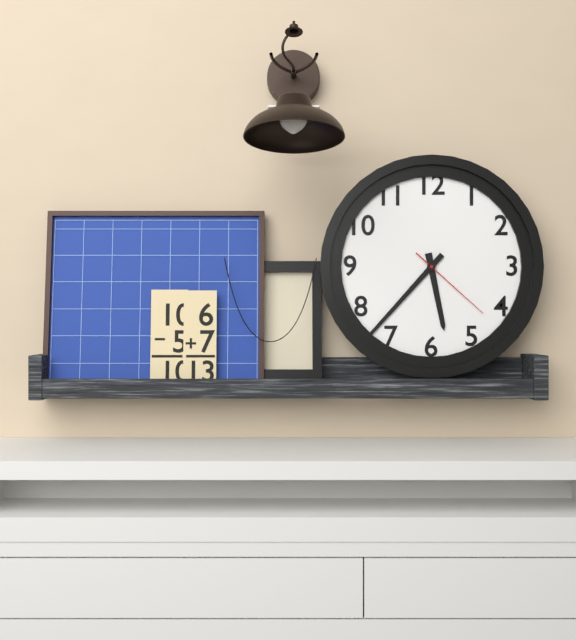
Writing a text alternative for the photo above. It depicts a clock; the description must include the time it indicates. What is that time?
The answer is 5:37:22
